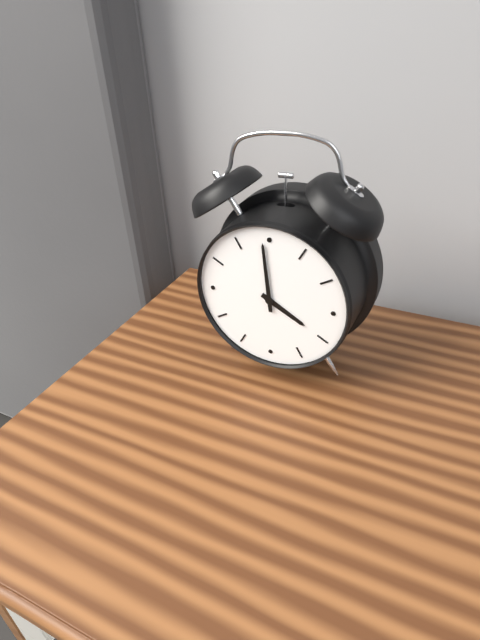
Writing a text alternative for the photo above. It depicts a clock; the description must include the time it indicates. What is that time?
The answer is 3:59
